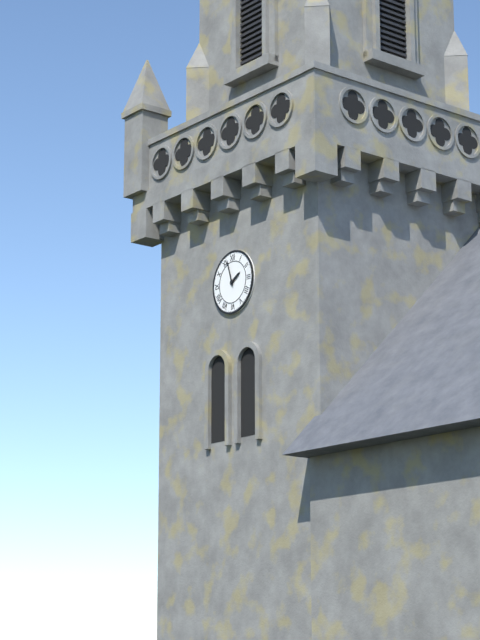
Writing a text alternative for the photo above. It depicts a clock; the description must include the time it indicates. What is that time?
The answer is 1:57
